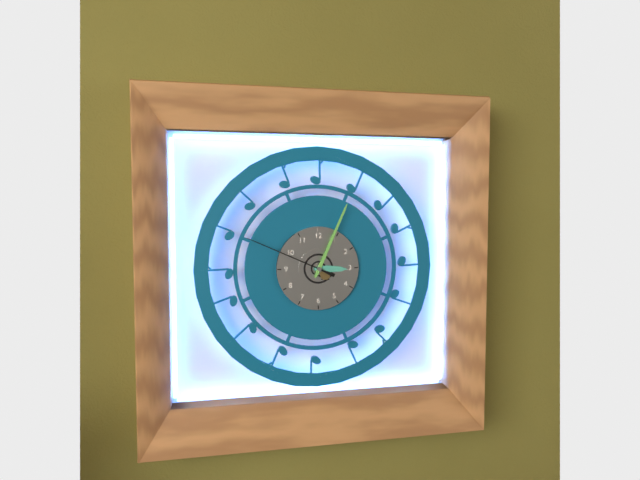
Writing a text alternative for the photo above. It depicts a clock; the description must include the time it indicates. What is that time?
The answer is 3:04:49
